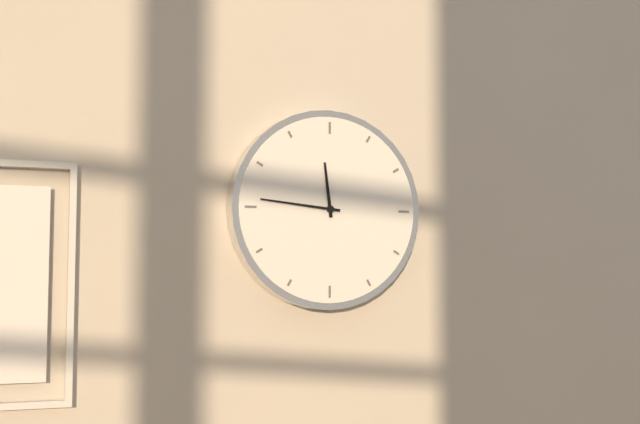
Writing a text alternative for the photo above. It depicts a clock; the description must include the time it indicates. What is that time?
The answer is 11:46
